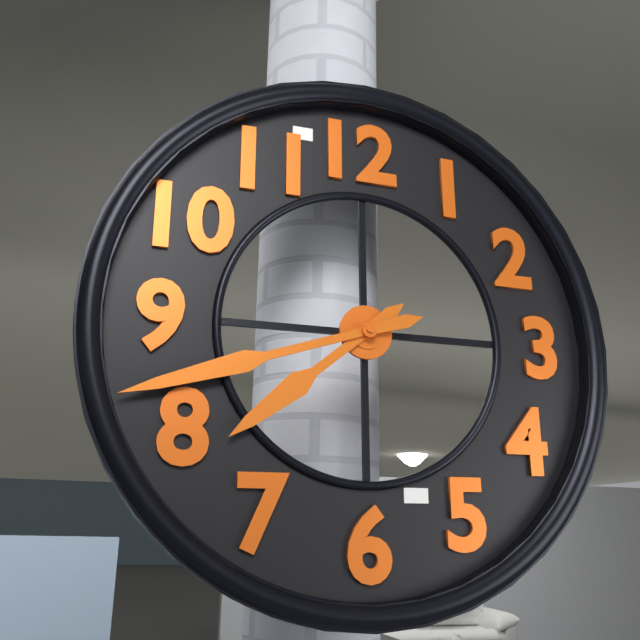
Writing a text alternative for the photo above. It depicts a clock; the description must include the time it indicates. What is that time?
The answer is 7:42
